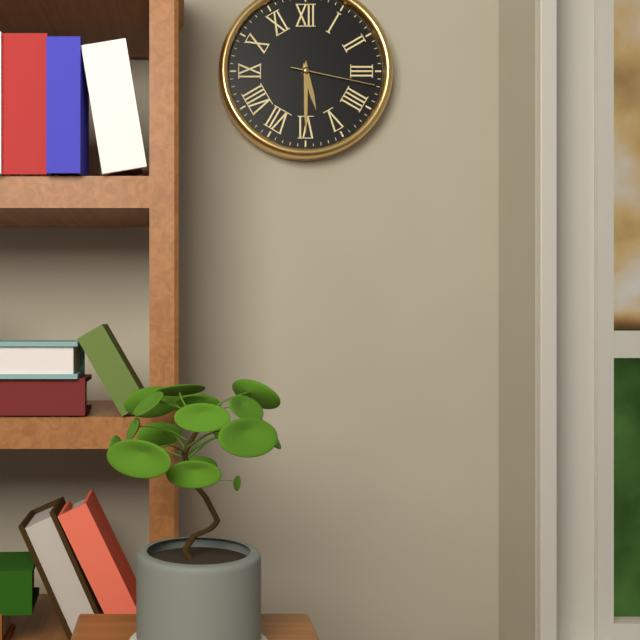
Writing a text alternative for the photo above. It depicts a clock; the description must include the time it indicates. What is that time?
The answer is 5:30:17
